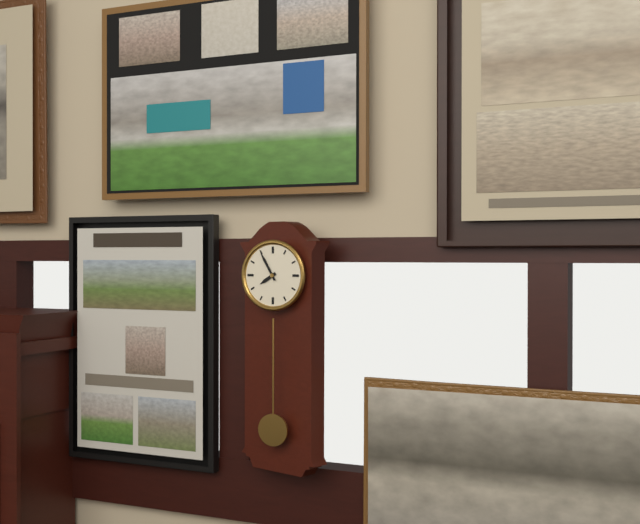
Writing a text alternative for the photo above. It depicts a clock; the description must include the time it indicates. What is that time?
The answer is 7:55
